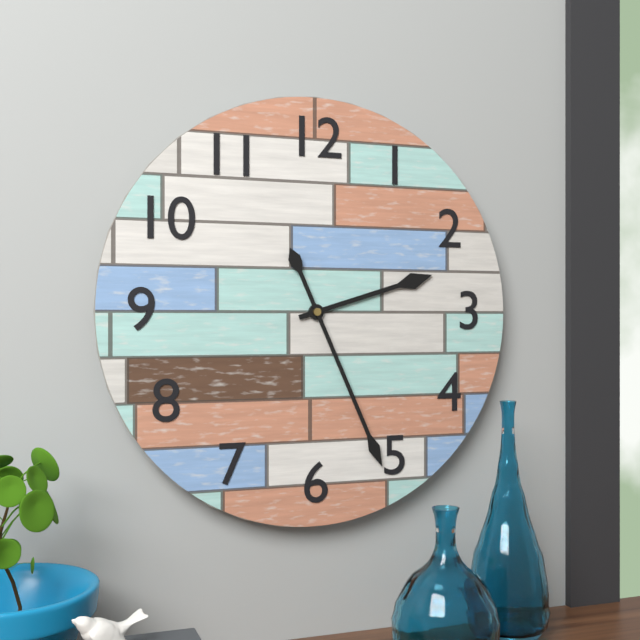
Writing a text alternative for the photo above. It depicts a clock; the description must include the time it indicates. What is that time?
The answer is 2:26
